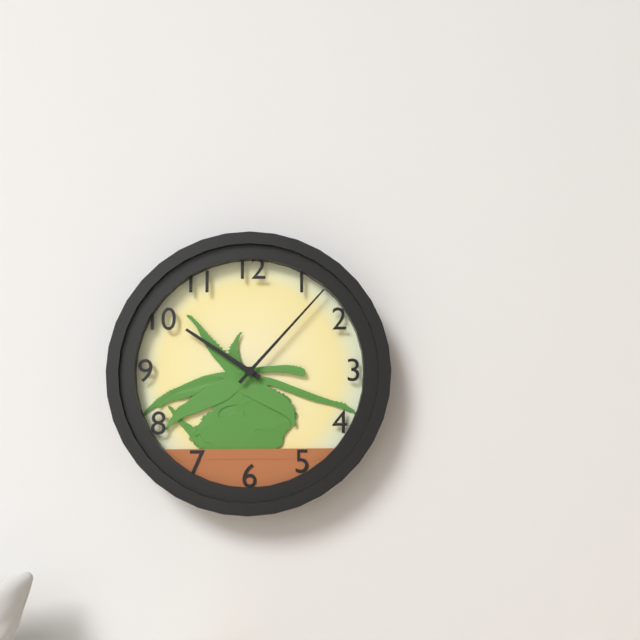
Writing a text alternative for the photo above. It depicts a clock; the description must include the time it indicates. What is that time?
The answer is 10:07
